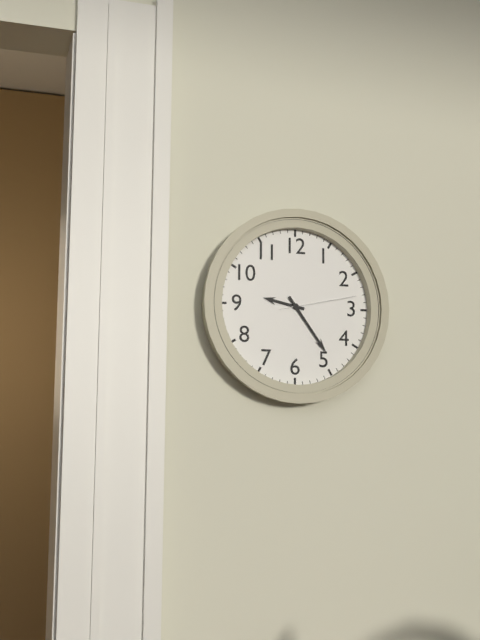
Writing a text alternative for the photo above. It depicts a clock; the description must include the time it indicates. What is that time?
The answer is 9:24:13
